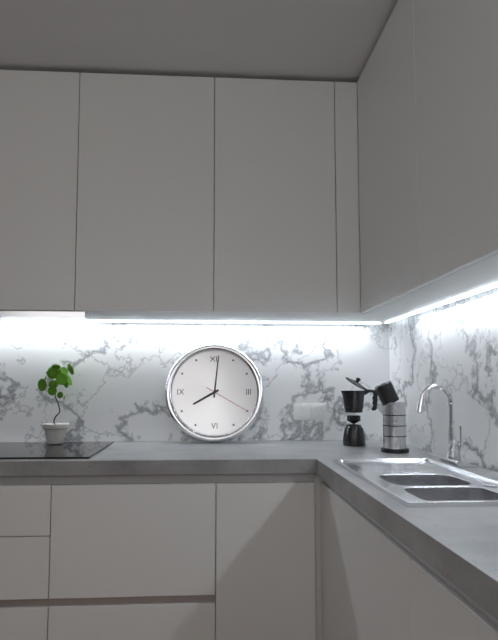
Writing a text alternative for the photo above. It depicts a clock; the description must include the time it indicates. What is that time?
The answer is 8:01
